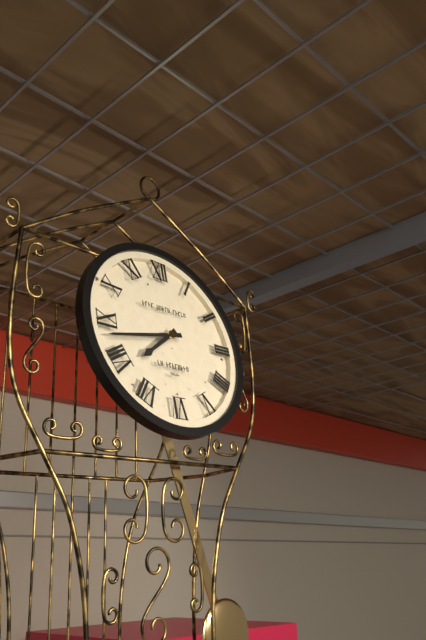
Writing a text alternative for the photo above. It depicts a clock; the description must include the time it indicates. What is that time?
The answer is 7:43
